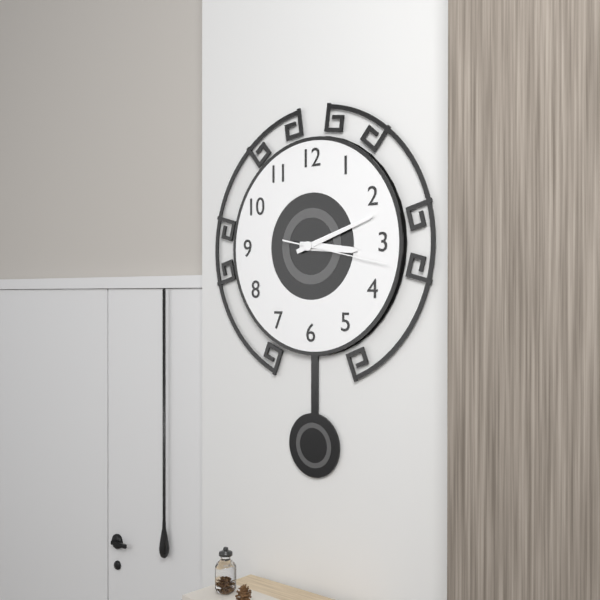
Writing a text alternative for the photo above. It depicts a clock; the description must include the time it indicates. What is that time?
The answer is 3:12:17
